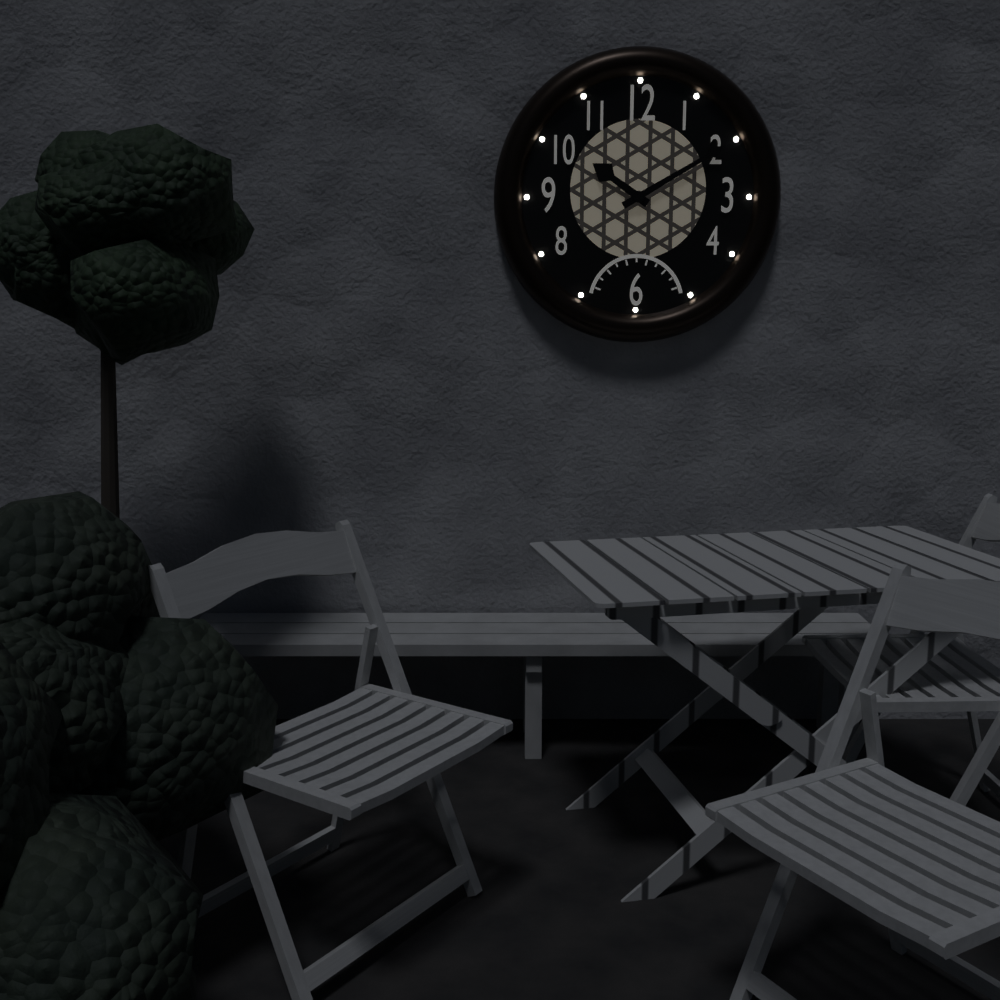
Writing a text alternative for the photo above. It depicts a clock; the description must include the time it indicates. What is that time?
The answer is 10:10
